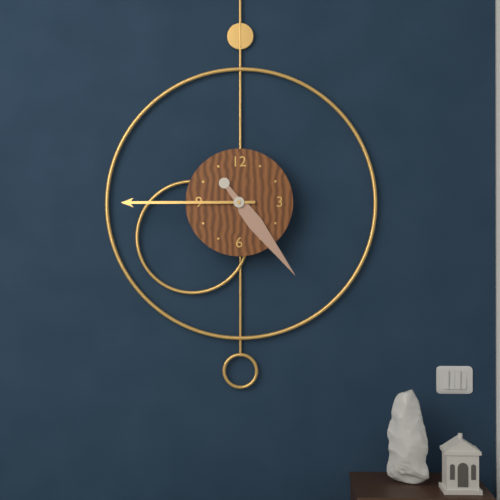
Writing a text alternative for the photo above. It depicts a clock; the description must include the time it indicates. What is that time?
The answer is 4:45
